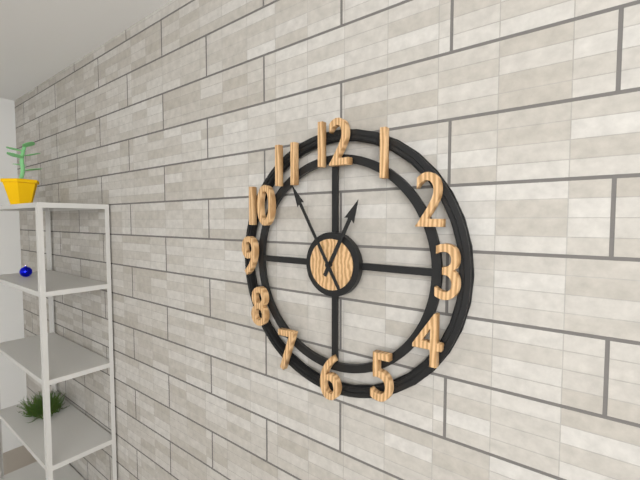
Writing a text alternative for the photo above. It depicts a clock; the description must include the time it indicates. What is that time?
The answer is 12:55
